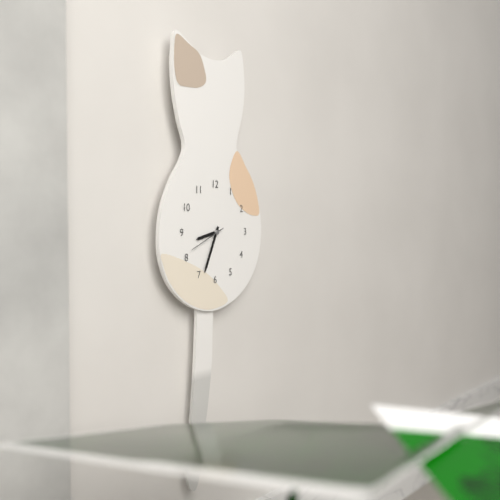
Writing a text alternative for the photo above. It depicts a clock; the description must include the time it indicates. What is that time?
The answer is 8:34
